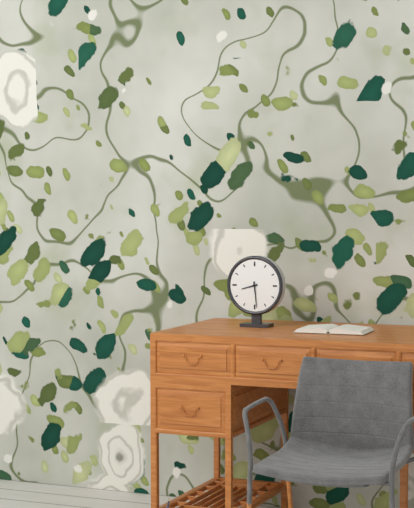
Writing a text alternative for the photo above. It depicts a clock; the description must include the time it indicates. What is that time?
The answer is 8:29
